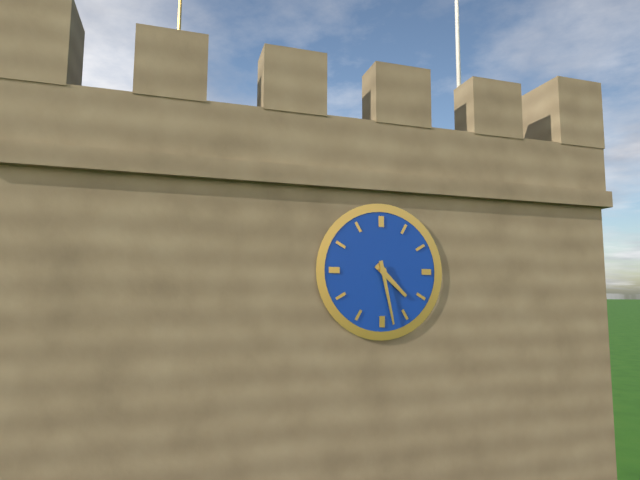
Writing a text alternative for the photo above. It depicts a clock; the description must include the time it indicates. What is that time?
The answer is 4:28
